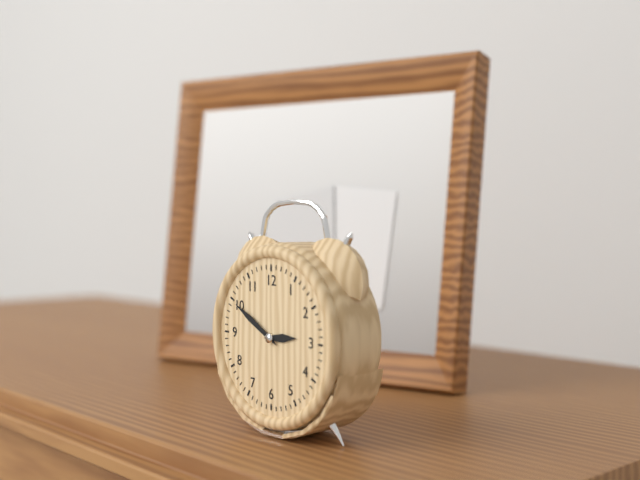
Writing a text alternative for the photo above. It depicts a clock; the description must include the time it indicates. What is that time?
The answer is 2:50
